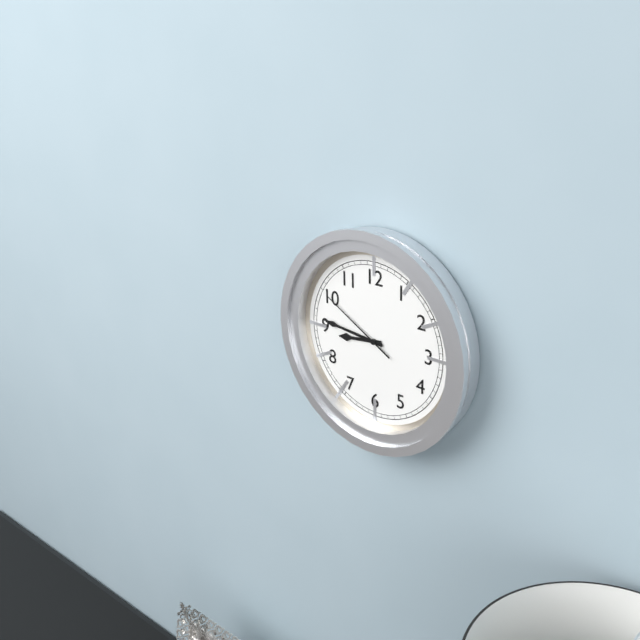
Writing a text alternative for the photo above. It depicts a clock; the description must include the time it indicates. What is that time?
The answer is 8:46:50
